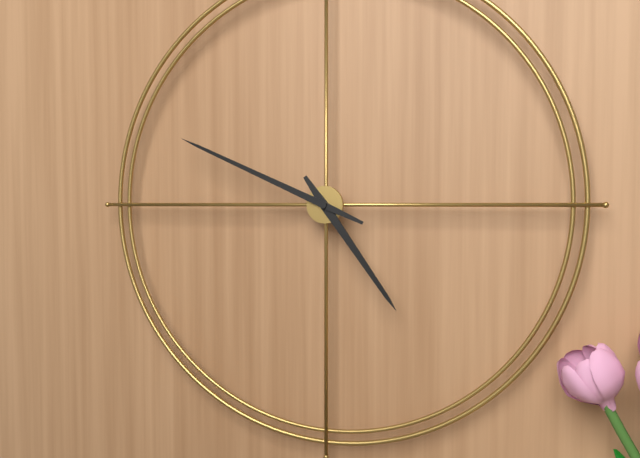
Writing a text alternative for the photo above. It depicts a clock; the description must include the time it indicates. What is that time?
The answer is 4:49
